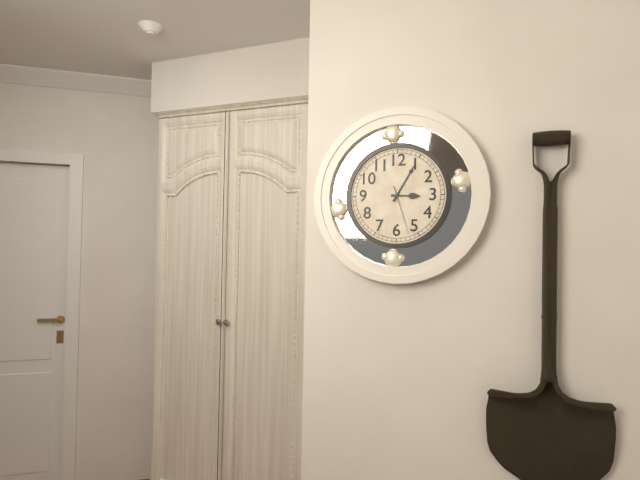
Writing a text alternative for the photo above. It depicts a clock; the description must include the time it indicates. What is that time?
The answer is 3:05
